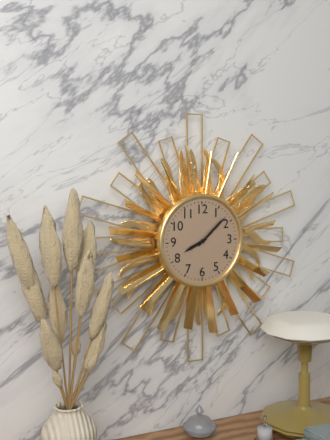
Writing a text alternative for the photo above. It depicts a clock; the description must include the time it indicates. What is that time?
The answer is 8:08
